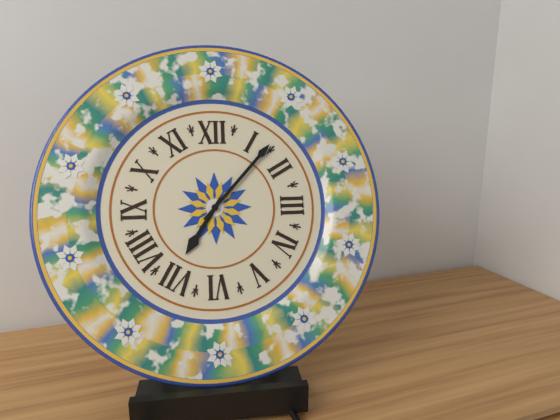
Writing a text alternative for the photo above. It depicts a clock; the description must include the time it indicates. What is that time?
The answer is 7:07
